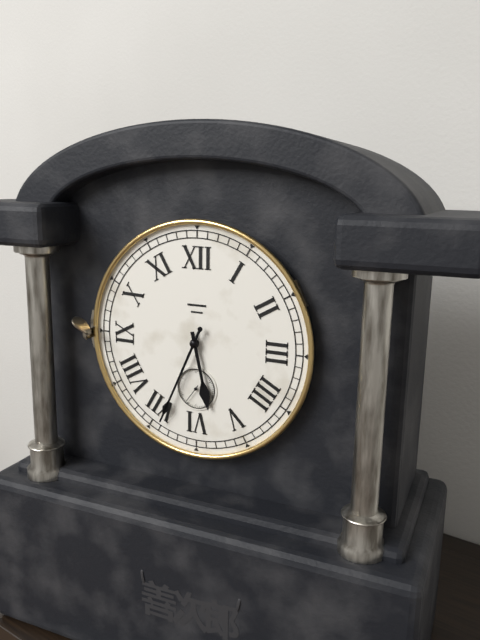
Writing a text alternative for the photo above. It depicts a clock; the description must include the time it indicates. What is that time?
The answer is 5:34
